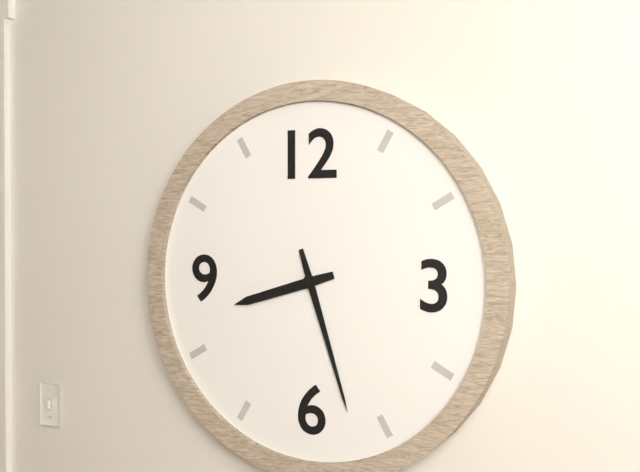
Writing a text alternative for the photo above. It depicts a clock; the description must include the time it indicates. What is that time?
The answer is 8:27
